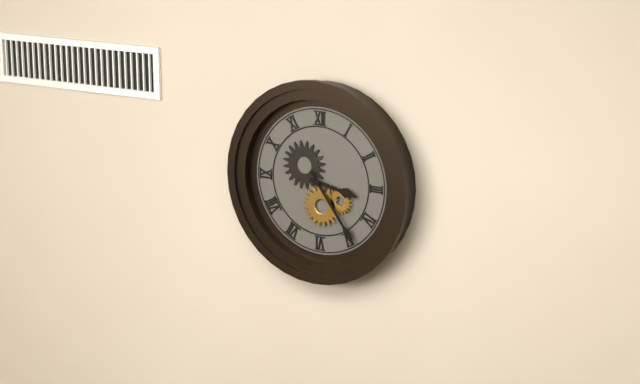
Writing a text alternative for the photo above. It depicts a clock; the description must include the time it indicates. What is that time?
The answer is 3:24
